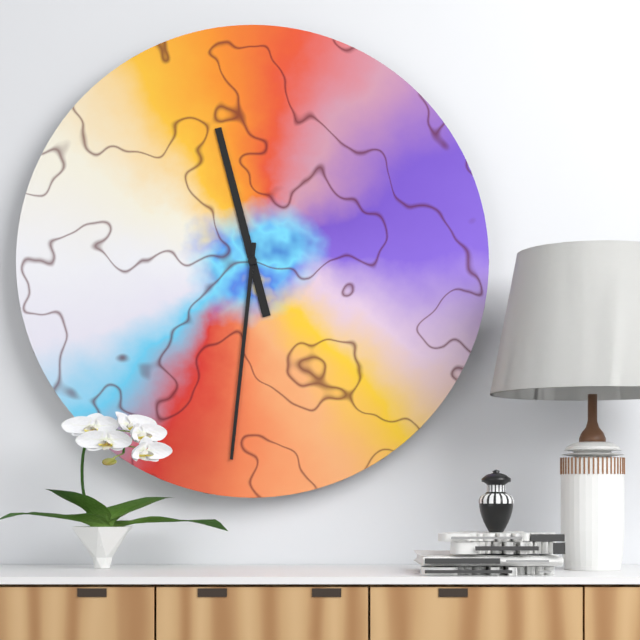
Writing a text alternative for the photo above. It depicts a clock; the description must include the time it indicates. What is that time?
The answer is 11:31
